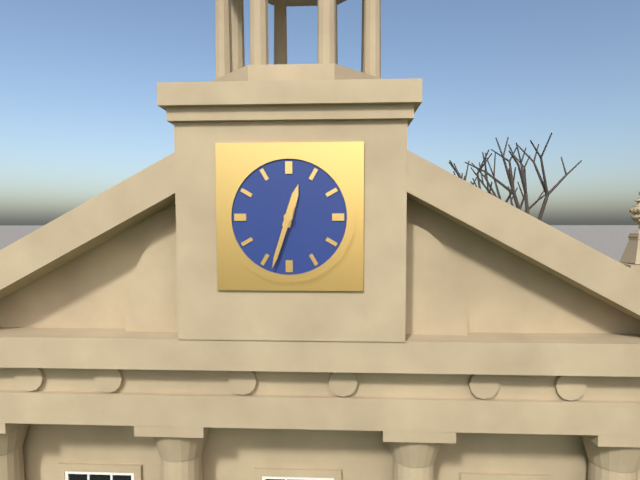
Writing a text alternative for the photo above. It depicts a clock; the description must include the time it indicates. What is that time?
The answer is 12:33
